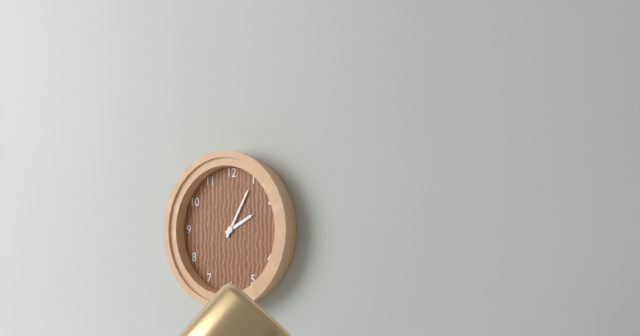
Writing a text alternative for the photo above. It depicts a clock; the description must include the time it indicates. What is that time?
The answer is 2:05
